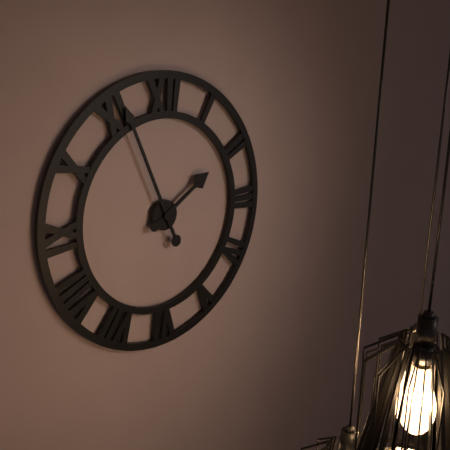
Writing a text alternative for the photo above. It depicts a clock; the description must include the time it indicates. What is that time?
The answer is 1:56
